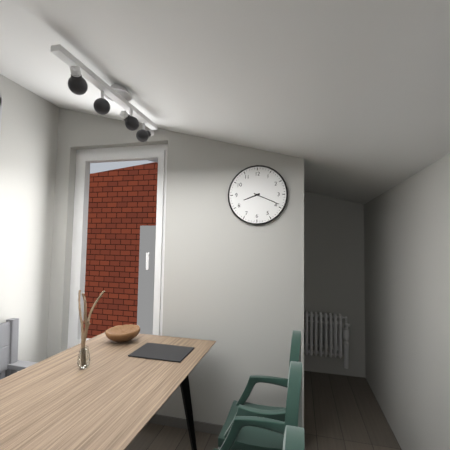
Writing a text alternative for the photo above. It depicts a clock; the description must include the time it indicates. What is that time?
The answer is 8:19
